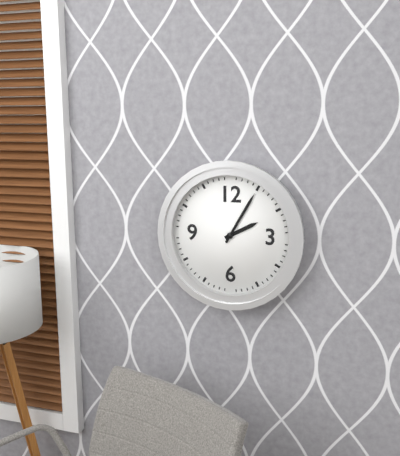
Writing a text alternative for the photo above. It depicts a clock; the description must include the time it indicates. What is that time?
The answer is 2:05
